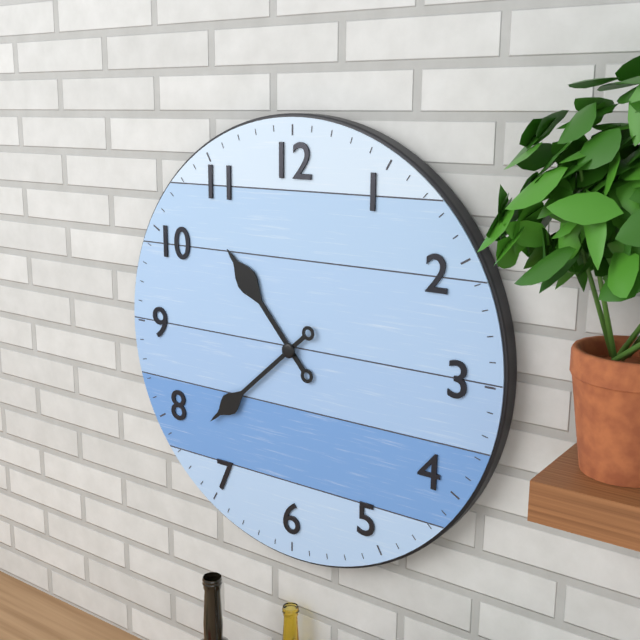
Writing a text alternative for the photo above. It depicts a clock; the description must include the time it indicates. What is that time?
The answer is 10:38
